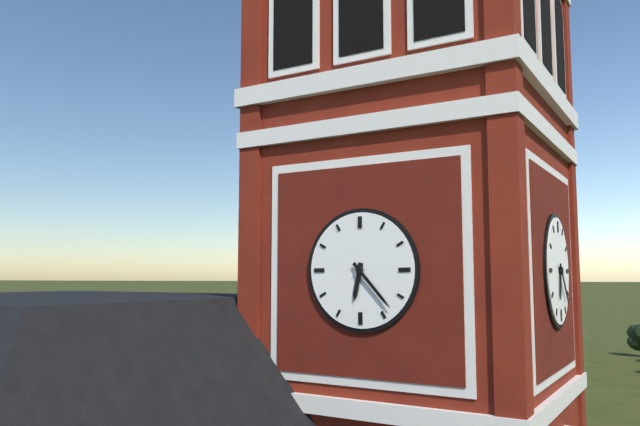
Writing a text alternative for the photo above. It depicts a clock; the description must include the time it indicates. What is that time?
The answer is 6:23
